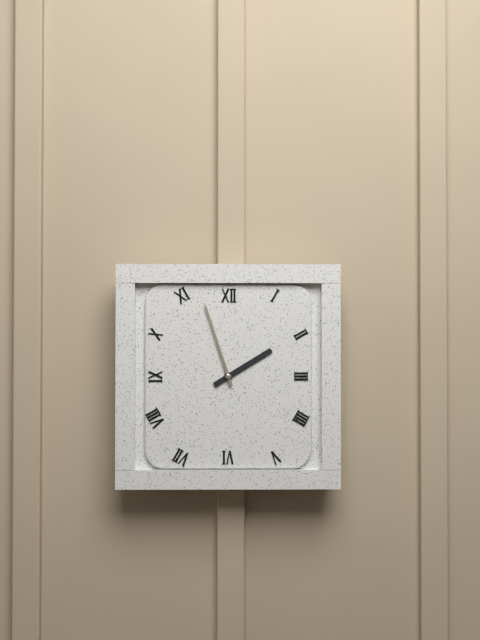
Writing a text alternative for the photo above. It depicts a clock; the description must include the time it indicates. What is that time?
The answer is 1:57
